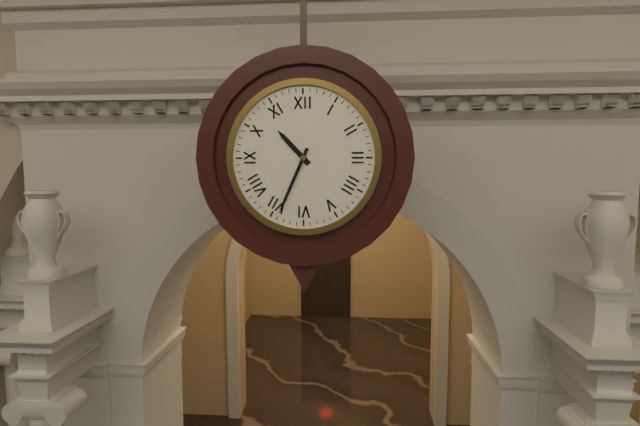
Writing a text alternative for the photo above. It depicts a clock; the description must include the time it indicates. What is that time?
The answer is 10:34
